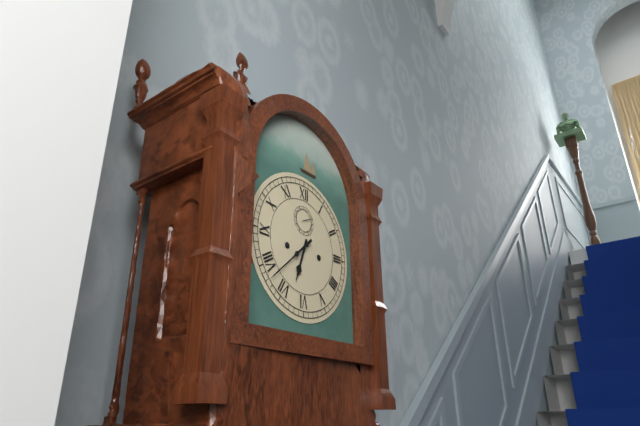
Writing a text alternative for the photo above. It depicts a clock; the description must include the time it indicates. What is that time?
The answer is 6:38
